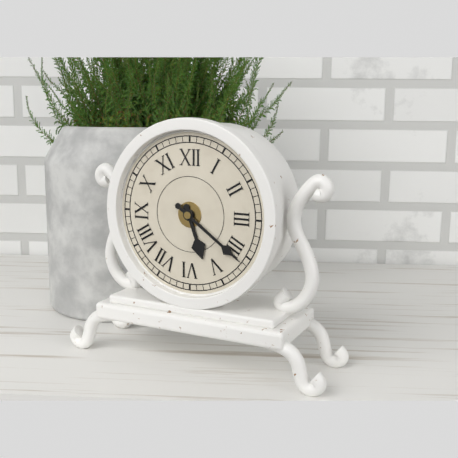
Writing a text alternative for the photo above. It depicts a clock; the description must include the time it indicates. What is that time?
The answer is 5:21
